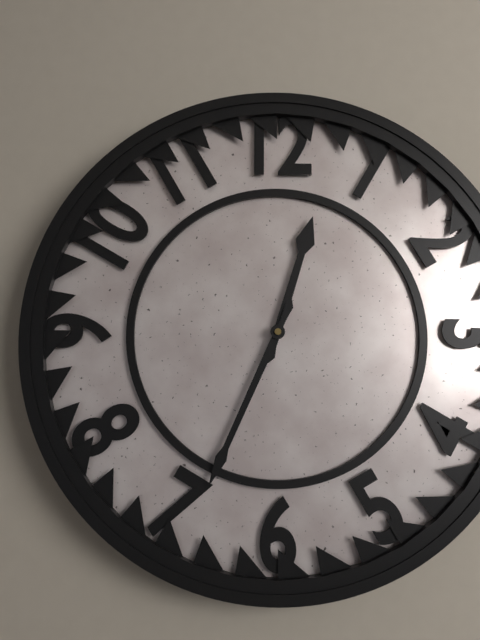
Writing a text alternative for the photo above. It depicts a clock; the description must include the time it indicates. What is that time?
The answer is 12:34
